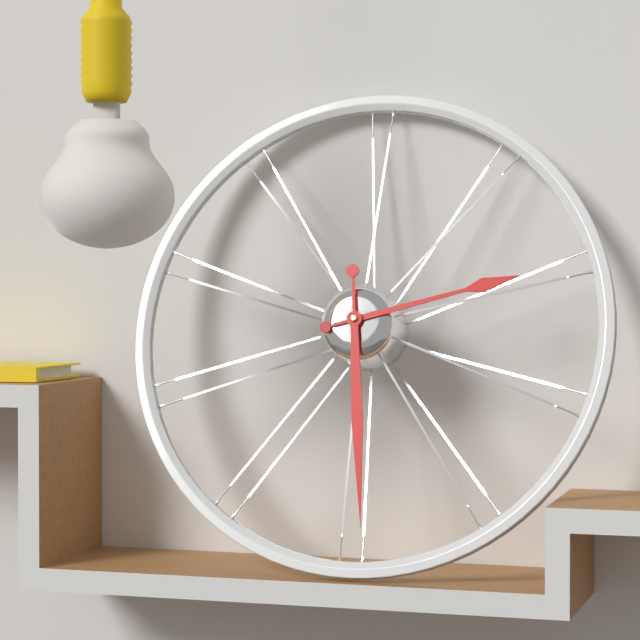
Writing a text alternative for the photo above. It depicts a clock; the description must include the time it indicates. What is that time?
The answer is 2:29
